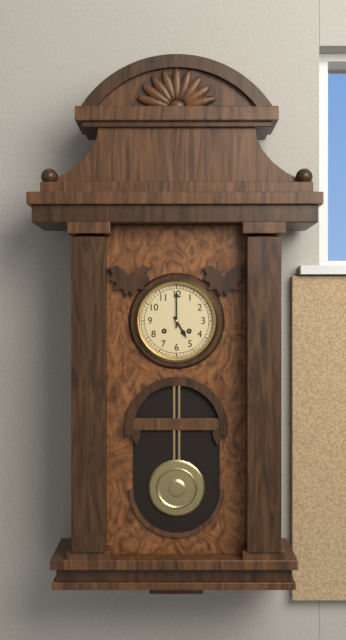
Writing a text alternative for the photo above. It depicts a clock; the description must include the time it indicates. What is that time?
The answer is 5:00
